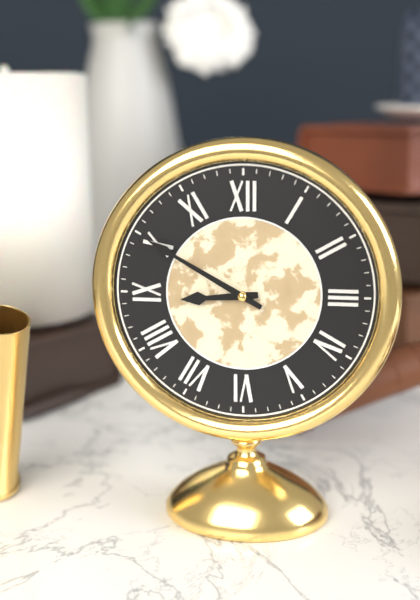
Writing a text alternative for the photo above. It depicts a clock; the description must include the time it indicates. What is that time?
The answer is 8:50
